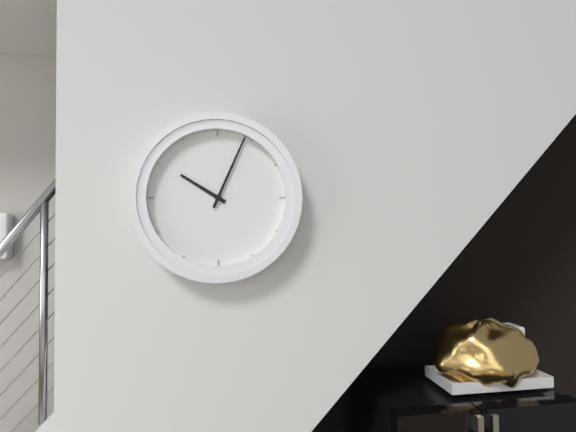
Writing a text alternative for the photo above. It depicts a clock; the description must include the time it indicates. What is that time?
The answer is 10:04
